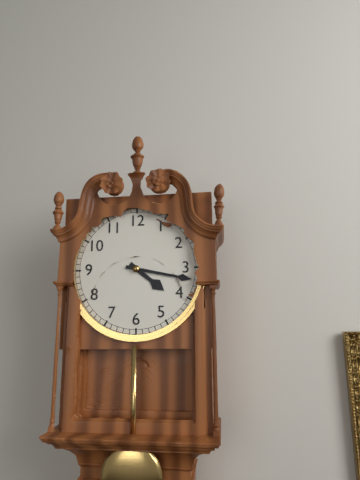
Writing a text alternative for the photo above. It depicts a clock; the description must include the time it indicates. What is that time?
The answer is 4:17
